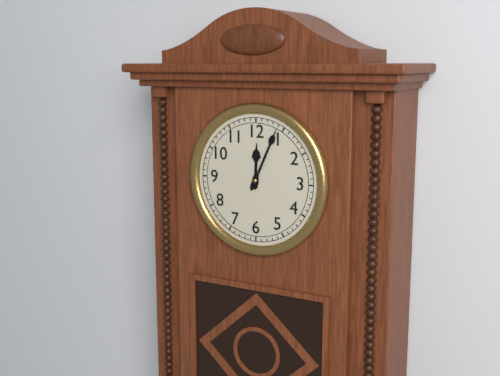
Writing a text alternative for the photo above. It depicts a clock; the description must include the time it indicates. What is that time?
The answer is 12:04
